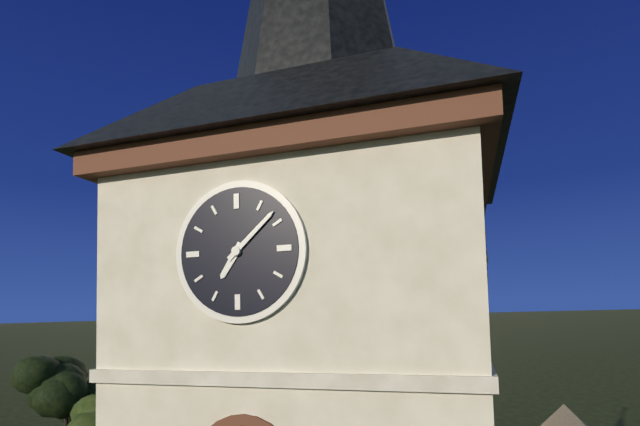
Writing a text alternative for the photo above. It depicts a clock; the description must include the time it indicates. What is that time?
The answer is 7:08
